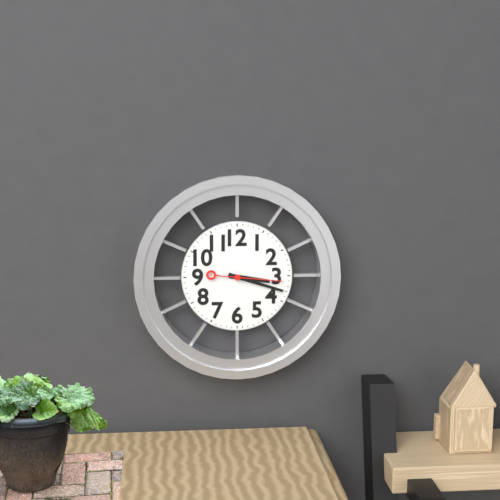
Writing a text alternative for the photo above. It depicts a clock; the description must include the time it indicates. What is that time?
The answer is 3:18:16
